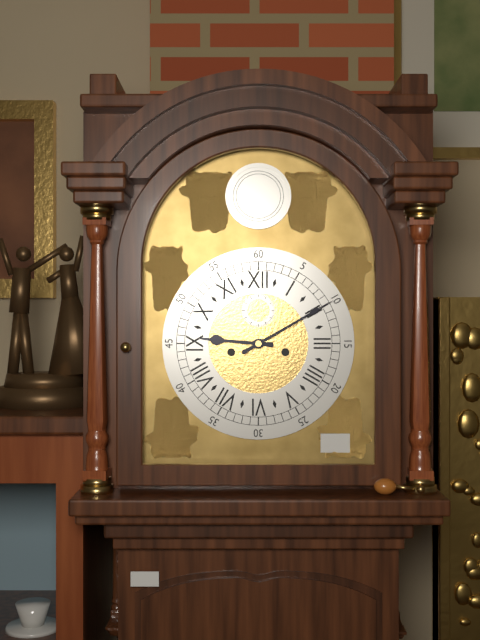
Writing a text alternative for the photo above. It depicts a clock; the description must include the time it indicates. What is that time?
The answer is 9:10
